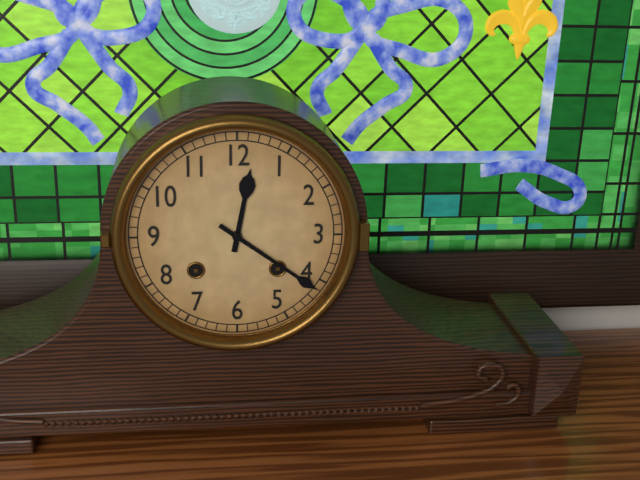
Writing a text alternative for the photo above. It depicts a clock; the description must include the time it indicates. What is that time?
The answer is 12:21
